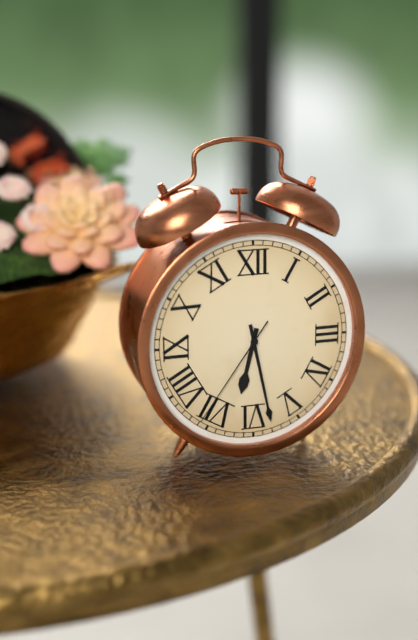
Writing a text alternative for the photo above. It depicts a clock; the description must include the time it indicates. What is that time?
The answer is 6:28:36
